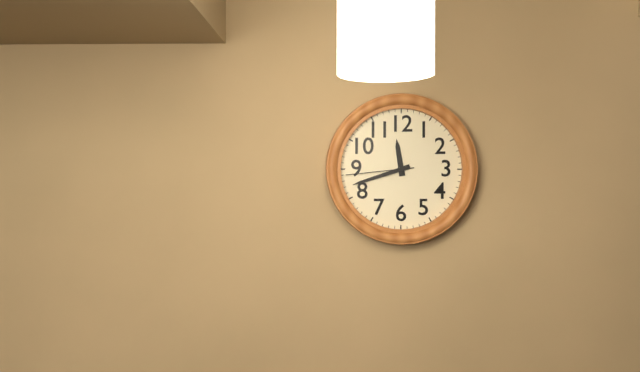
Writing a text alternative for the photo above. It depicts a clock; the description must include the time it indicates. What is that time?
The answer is 11:42:44
